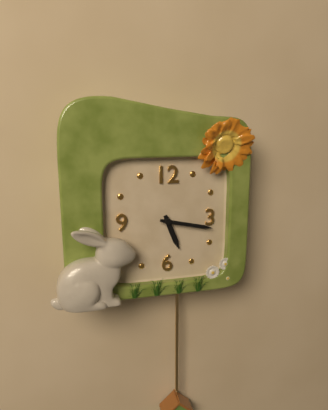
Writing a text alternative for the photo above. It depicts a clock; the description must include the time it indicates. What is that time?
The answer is 5:17
